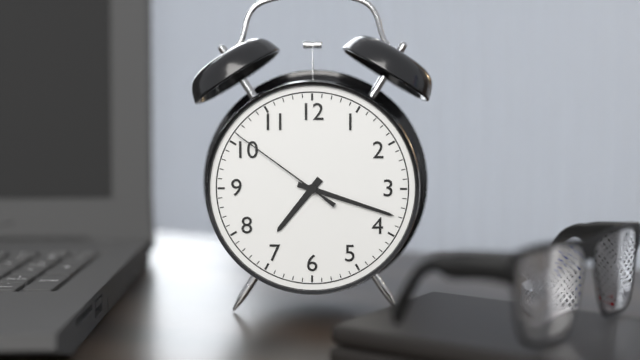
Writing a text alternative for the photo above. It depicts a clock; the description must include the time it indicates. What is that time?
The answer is 7:18:51
